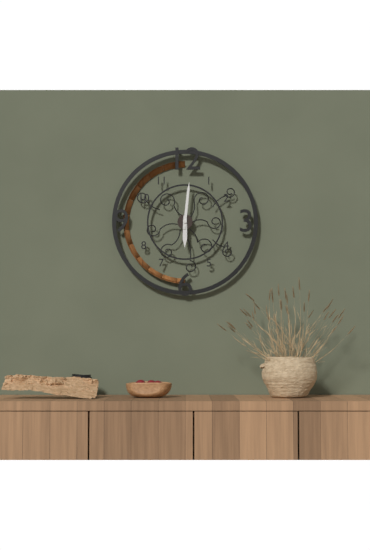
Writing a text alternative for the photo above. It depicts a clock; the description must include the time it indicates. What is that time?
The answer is 6:01
